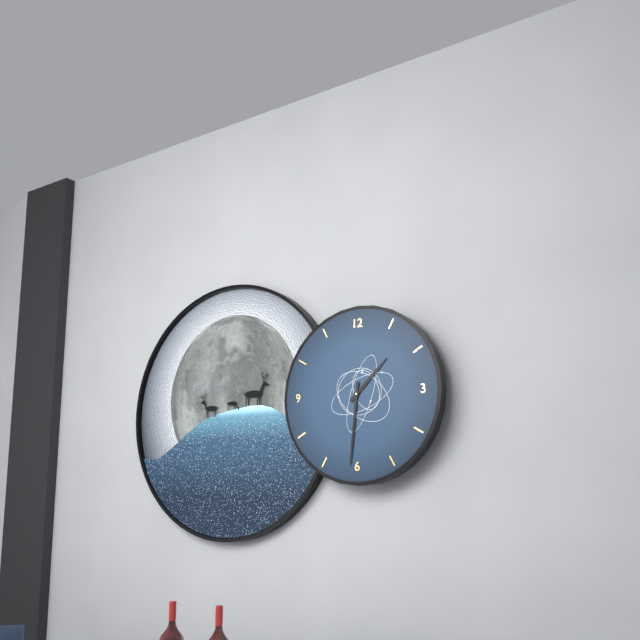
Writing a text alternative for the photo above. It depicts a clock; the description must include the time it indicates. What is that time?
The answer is 1:31
